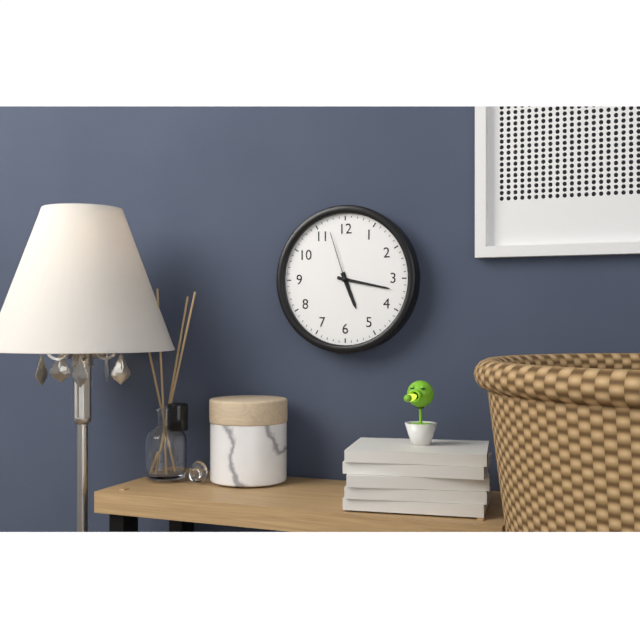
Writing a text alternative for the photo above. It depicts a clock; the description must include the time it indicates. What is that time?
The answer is 5:17:57
